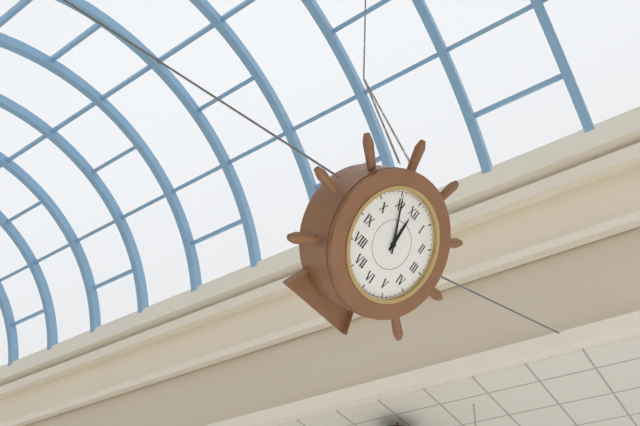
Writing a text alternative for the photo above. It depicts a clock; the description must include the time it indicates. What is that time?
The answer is 11:55
